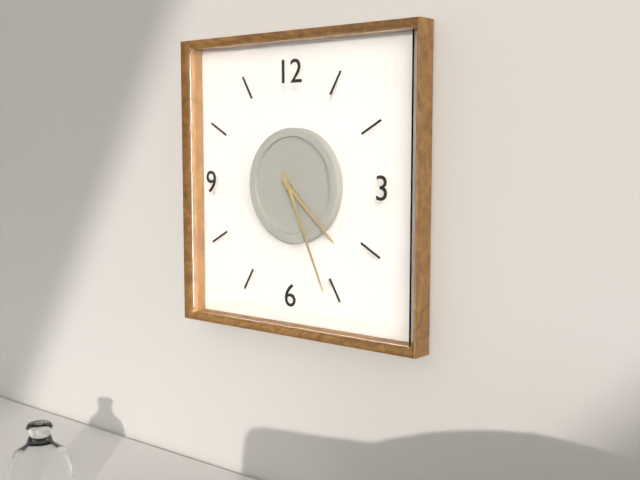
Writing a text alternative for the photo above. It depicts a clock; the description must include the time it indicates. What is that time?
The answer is 4:26
